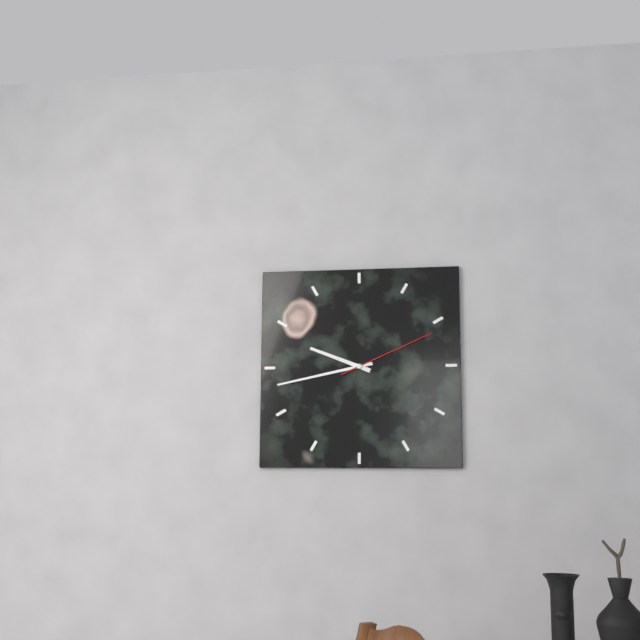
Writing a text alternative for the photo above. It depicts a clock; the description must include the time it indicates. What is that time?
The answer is 9:43:11
